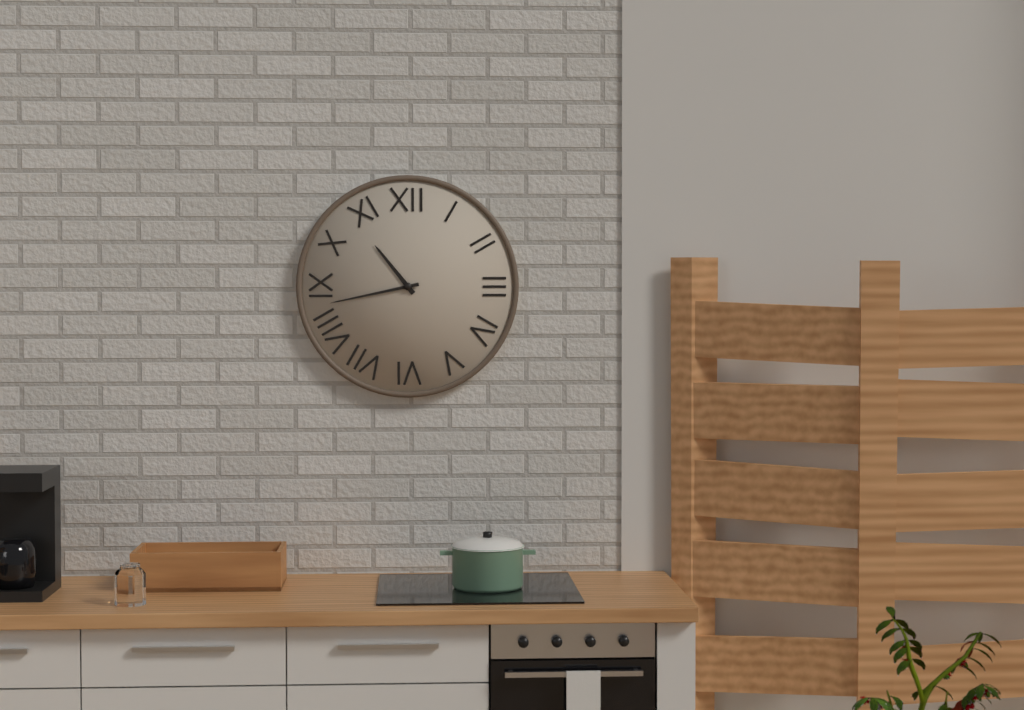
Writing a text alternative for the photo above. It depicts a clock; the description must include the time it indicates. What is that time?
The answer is 10:43
